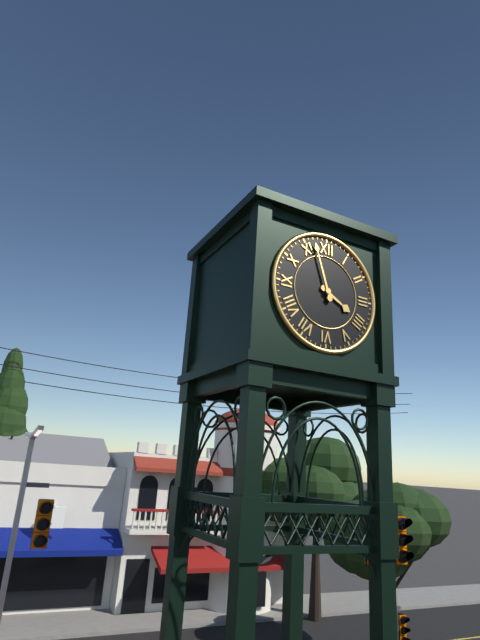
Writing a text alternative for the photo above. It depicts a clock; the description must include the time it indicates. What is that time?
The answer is 3:57
